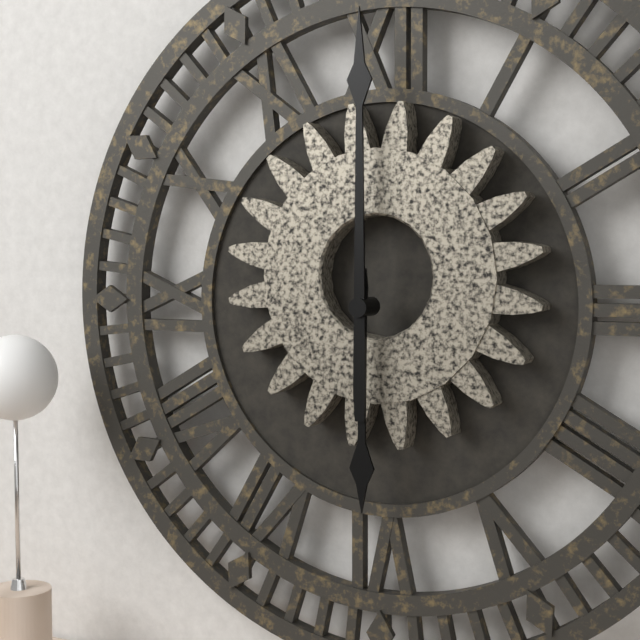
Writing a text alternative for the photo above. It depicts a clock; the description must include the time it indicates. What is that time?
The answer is 6:00
